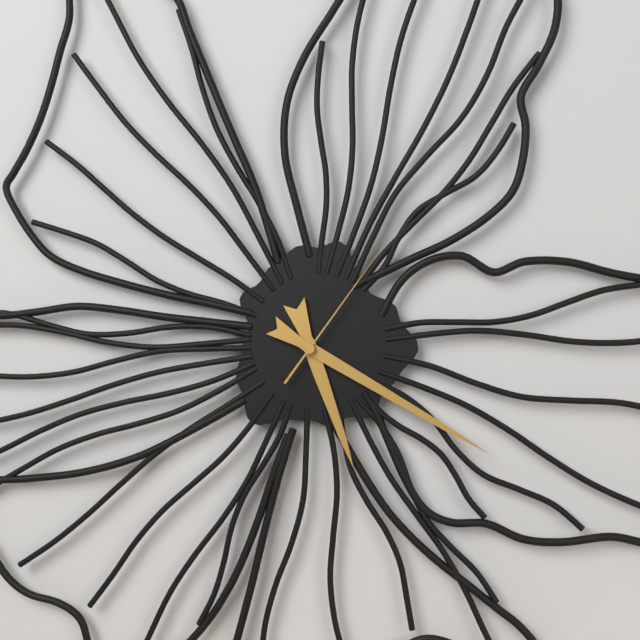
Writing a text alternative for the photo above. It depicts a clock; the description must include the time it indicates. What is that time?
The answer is 5:20:06
